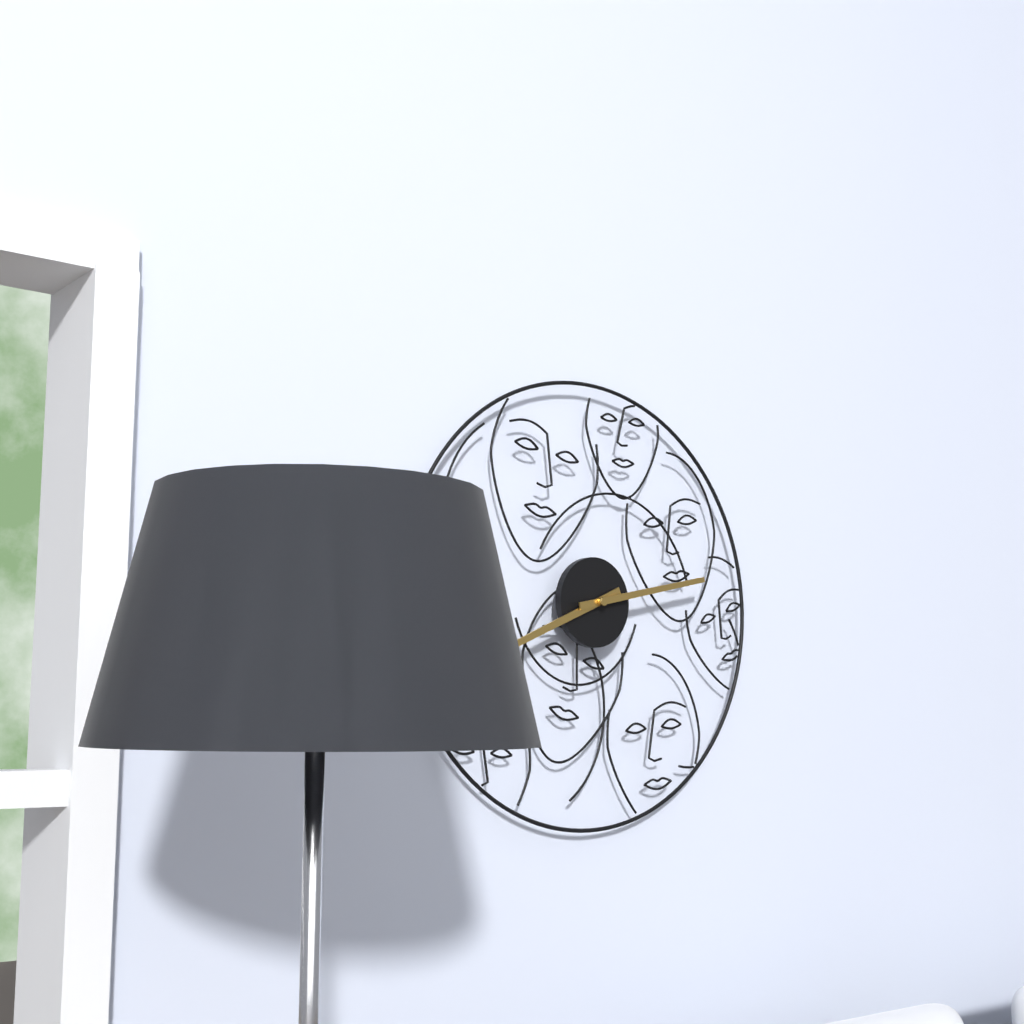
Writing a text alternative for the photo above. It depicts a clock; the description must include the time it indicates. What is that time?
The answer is 8:13
